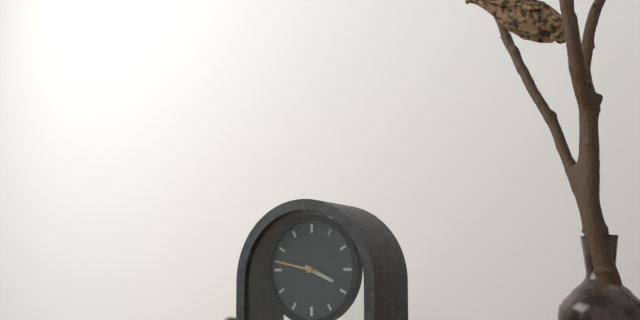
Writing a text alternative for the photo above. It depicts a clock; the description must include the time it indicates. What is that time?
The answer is 3:47
